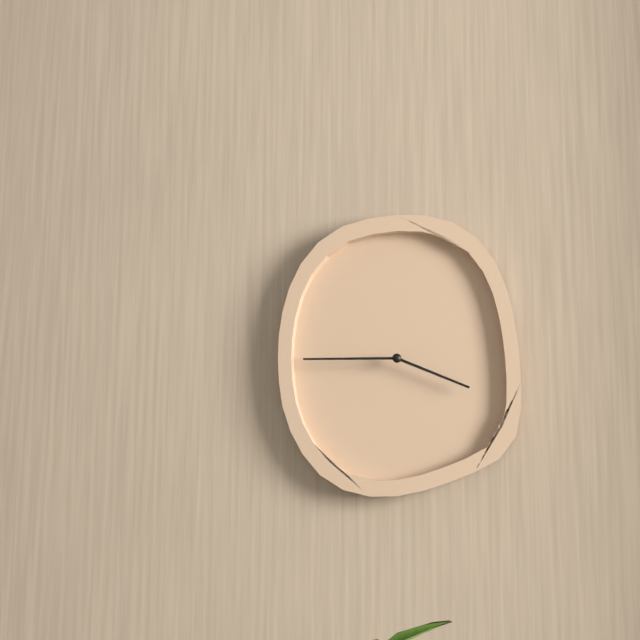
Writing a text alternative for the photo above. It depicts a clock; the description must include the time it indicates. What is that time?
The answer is 3:45
